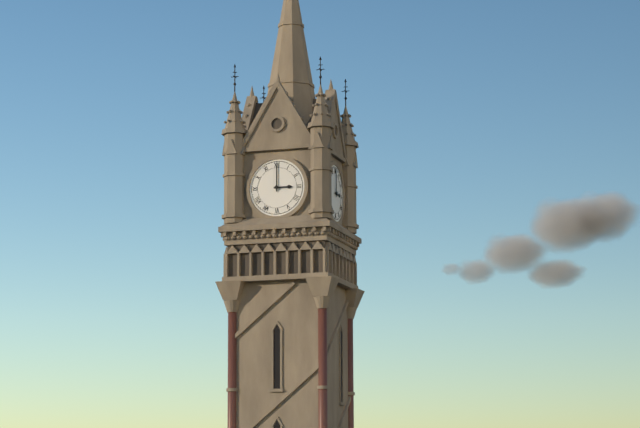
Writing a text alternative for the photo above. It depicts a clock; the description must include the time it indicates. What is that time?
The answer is 3:00
